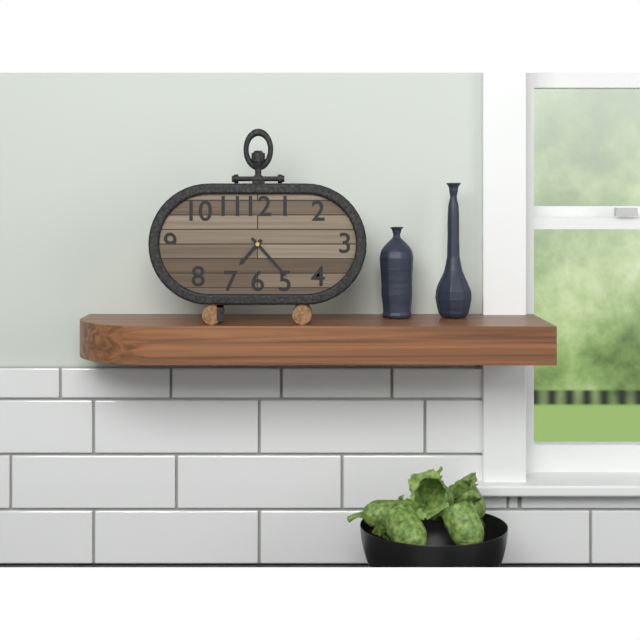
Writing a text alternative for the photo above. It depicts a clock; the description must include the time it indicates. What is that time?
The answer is 7:23
